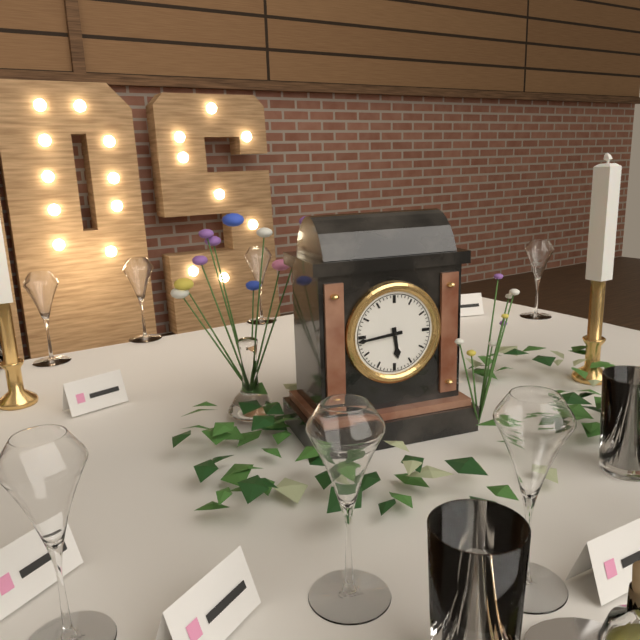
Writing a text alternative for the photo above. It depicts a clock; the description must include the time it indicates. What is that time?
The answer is 5:44
